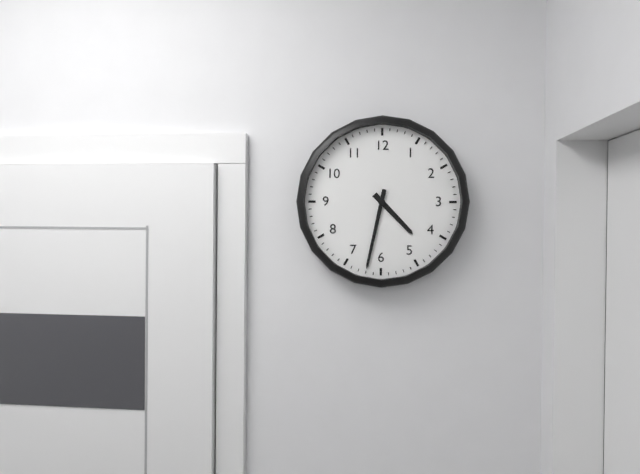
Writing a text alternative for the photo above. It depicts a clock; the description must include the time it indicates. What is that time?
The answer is 4:32
